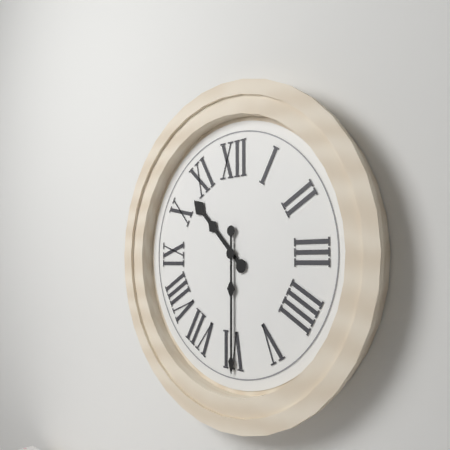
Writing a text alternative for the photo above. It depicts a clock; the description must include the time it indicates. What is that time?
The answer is 10:30
